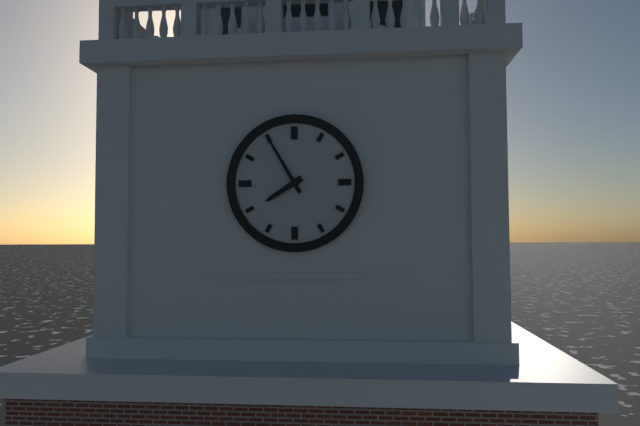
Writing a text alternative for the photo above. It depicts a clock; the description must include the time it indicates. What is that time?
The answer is 7:55
